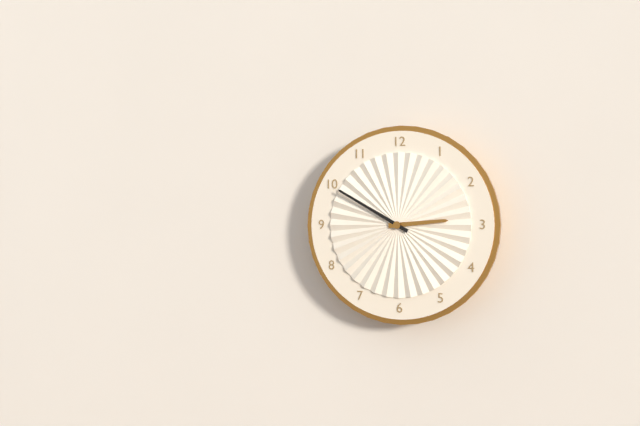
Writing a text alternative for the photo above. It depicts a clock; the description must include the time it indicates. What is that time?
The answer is 2:50
